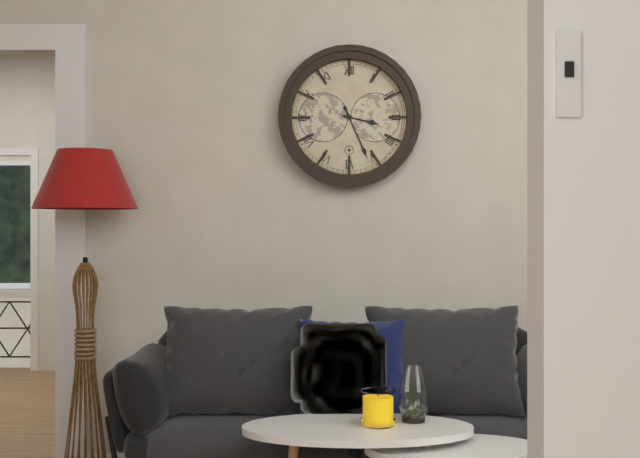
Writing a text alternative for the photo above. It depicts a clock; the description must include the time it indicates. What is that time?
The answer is 3:26
